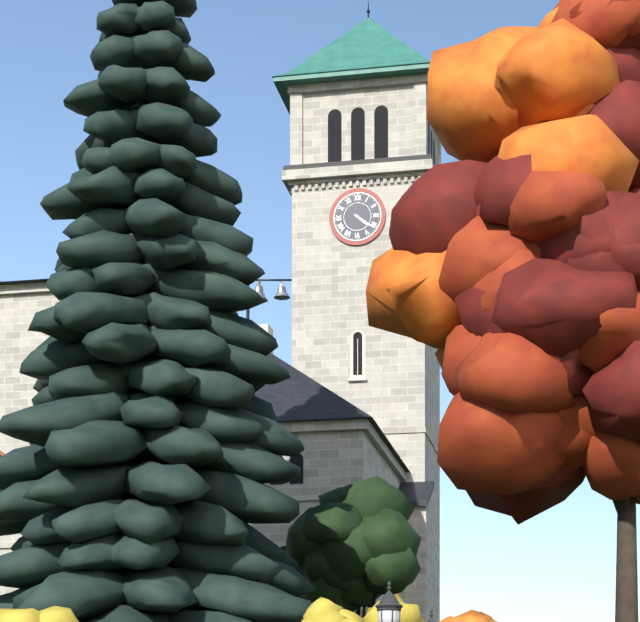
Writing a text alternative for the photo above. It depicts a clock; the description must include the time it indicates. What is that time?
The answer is 4:21
